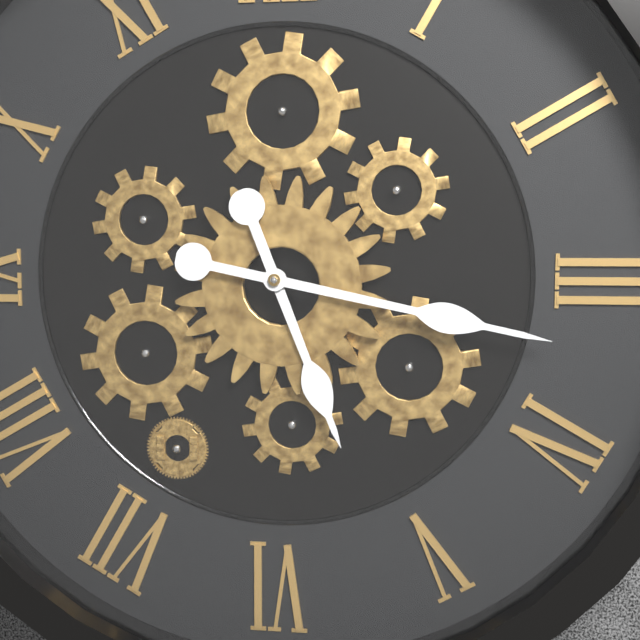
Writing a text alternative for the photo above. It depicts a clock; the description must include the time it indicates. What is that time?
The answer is 5:17
